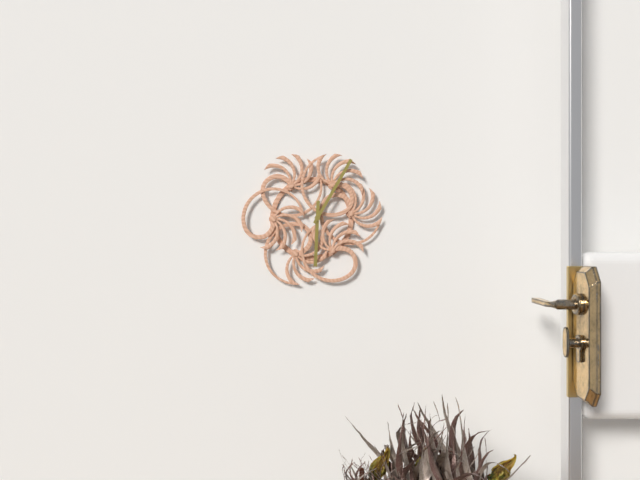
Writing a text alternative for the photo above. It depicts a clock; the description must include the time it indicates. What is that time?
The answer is 6:05
